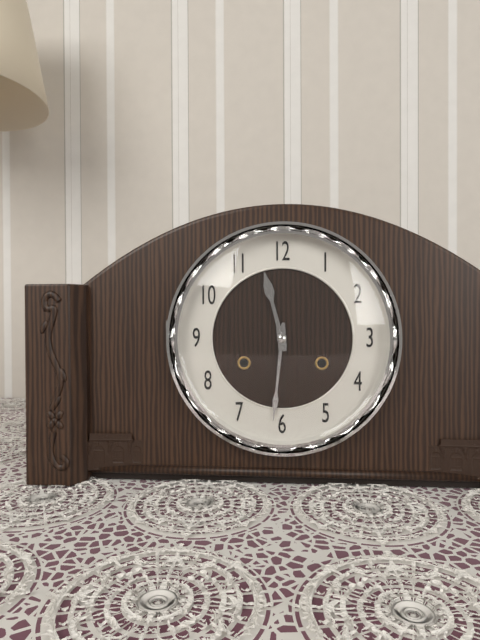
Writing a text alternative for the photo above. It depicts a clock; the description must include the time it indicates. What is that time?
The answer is 11:31
